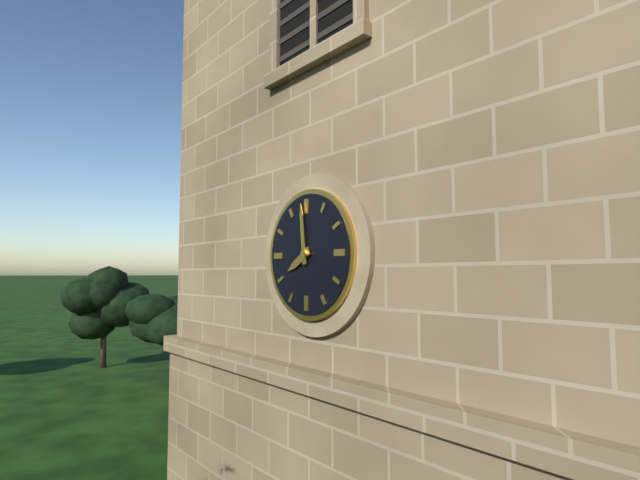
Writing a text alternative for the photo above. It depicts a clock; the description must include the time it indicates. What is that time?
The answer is 7:59
